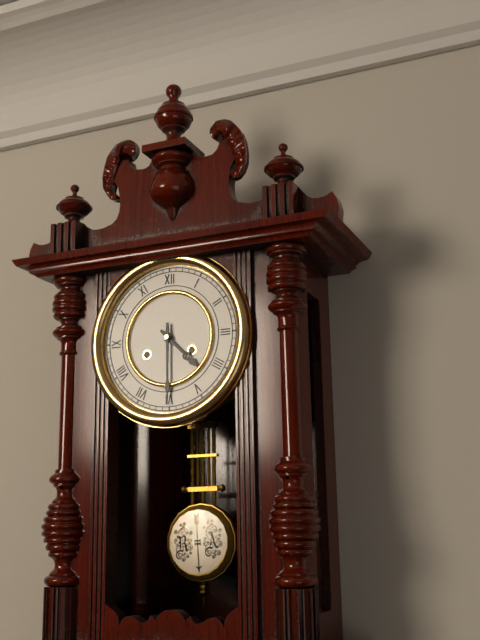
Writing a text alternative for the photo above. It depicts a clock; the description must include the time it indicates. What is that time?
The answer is 4:30
